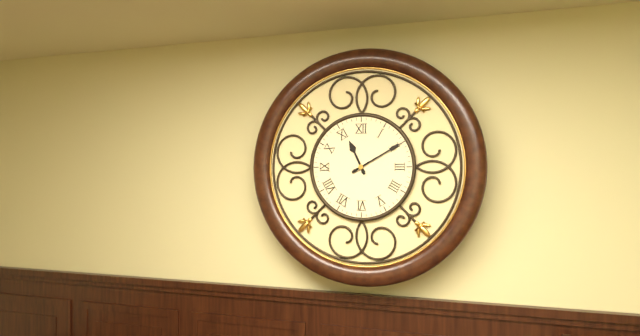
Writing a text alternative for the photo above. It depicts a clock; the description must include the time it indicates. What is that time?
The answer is 11:10
